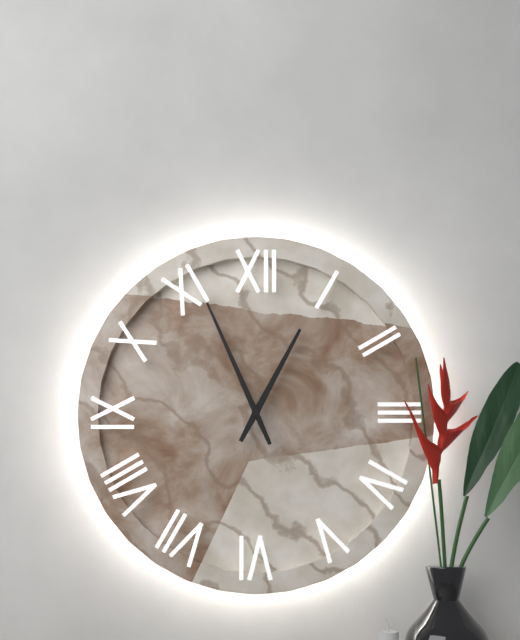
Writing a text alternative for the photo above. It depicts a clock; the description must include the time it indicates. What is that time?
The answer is 12:56
